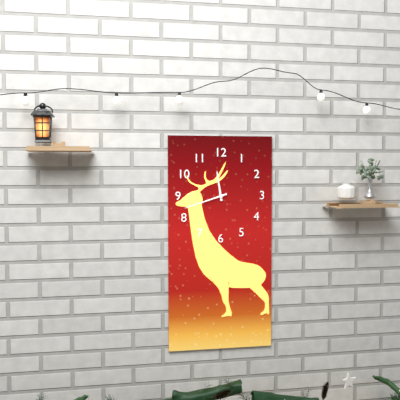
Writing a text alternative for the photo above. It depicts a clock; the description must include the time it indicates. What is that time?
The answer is 11:42
